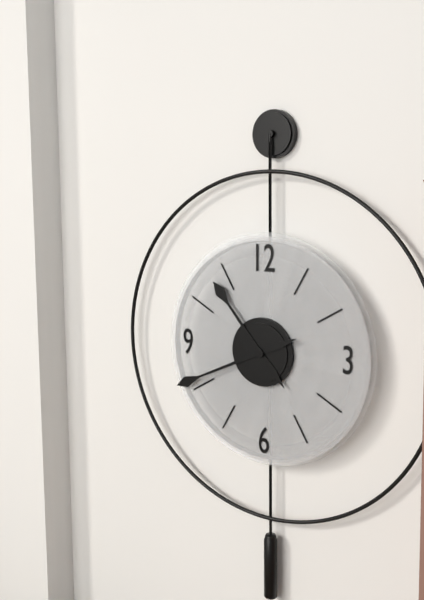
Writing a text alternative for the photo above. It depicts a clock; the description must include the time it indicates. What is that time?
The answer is 10:41
